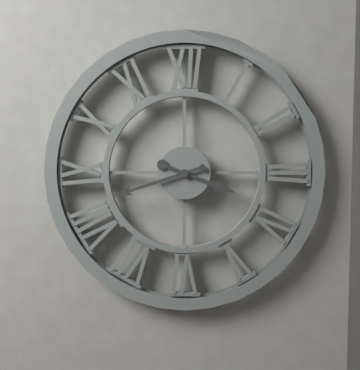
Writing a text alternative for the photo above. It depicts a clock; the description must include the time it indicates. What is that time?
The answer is 3:42
